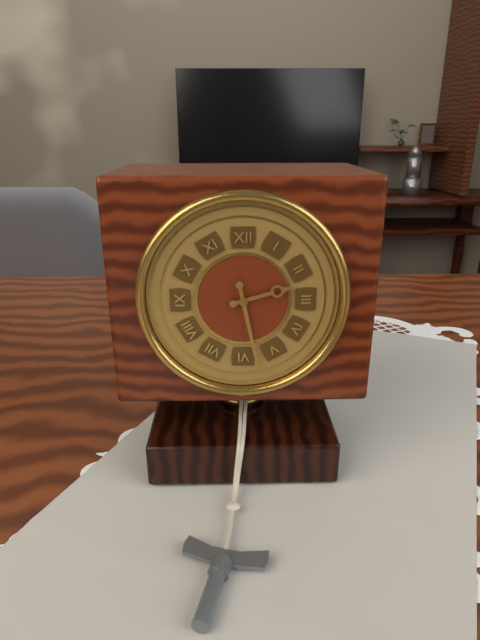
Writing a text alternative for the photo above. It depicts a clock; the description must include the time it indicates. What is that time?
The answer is 2:28
